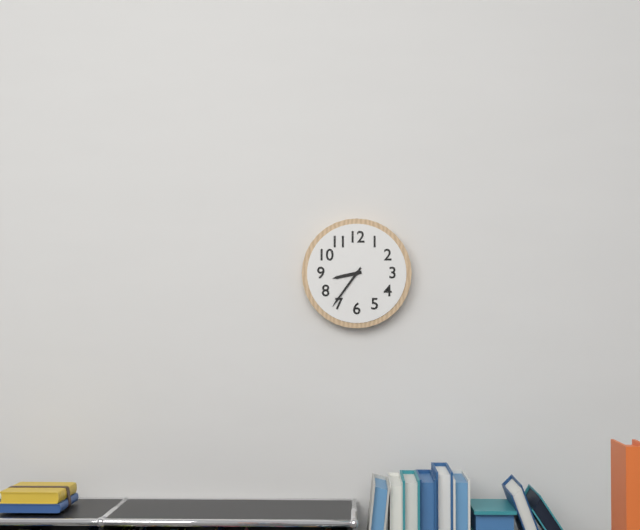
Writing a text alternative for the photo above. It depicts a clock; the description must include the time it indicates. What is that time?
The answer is 8:36
